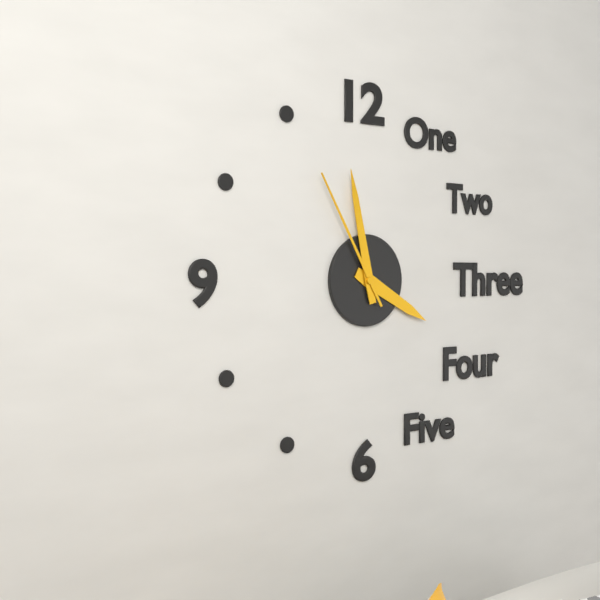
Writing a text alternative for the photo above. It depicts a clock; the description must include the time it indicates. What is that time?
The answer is 3:58:55
